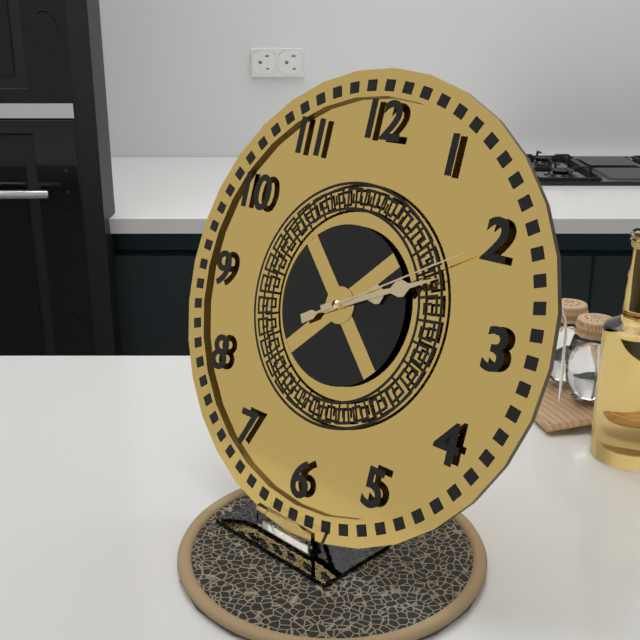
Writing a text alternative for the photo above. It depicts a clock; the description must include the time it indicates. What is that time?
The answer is 2:11:10
